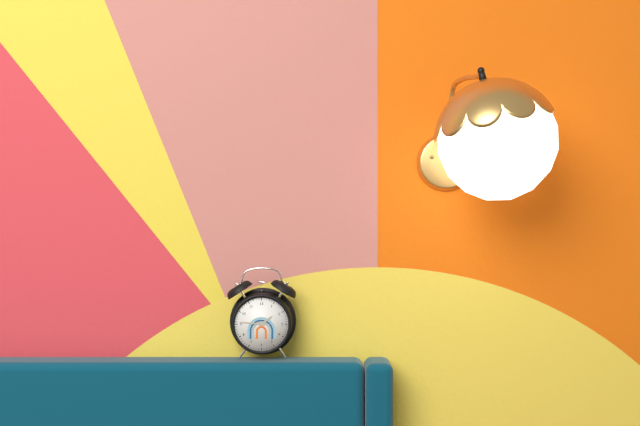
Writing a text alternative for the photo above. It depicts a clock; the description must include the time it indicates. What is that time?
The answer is 1:46
